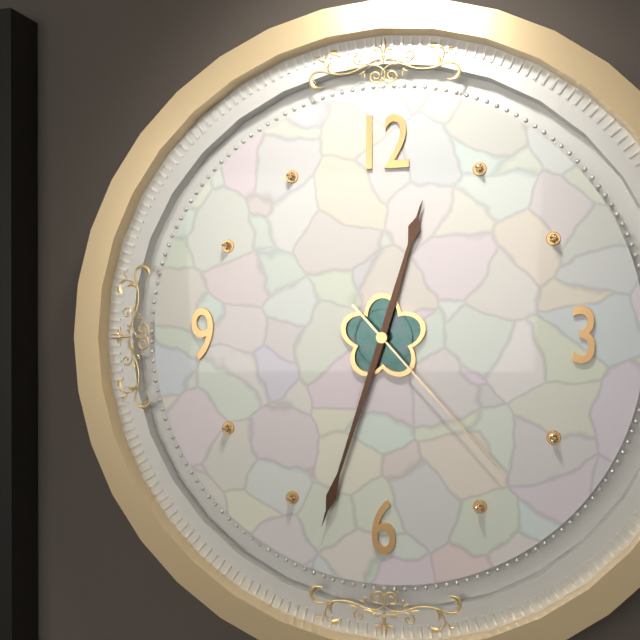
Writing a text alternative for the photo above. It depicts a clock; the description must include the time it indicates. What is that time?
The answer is 12:33:23
